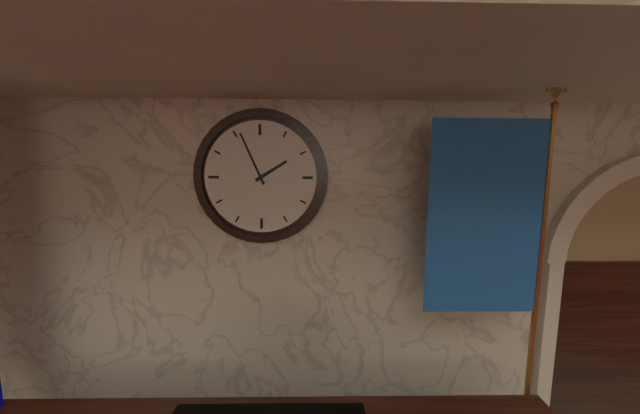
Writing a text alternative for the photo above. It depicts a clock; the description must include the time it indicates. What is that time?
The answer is 1:56
